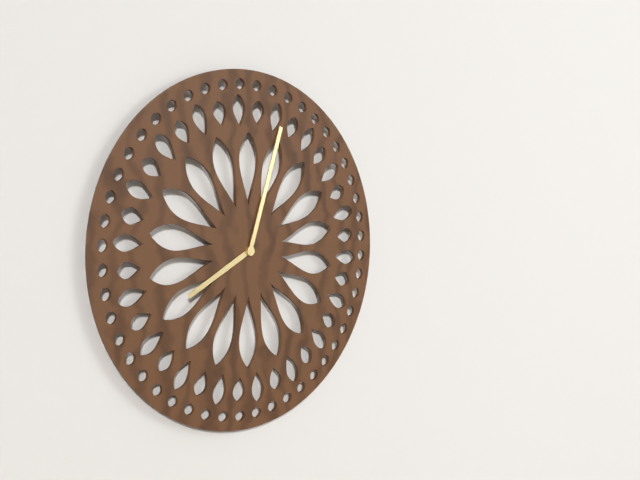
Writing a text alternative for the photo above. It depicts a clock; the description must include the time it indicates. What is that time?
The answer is 8:03
